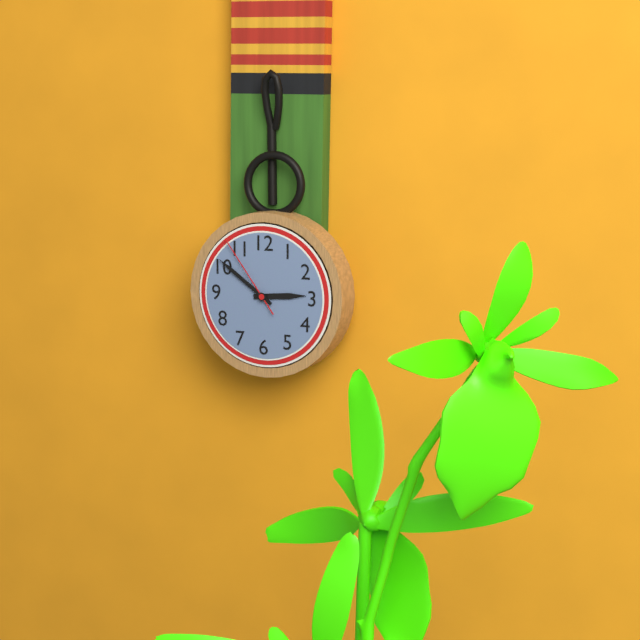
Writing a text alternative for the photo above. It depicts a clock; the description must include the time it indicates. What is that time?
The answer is 2:51:54
